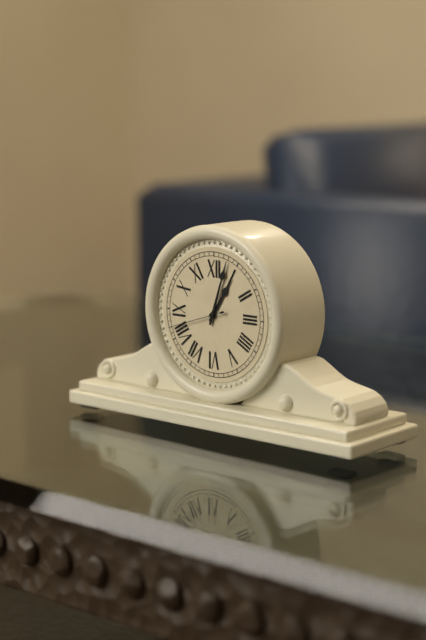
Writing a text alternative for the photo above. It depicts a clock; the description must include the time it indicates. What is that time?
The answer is 1:03:42
